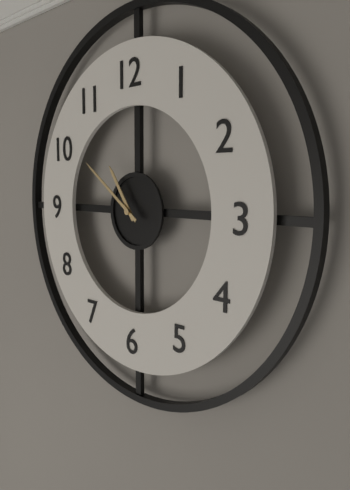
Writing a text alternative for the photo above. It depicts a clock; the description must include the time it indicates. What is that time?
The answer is 10:51
